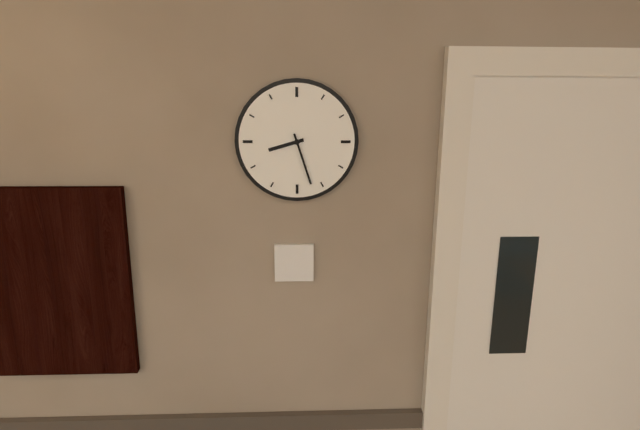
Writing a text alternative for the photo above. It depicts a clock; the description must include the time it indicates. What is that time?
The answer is 8:27
